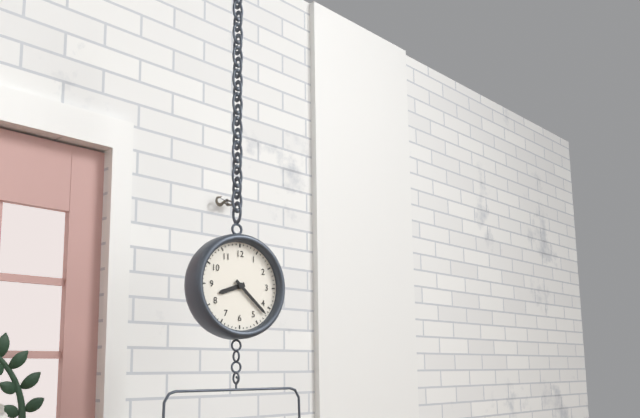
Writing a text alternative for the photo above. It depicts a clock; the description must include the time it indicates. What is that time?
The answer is 8:22
